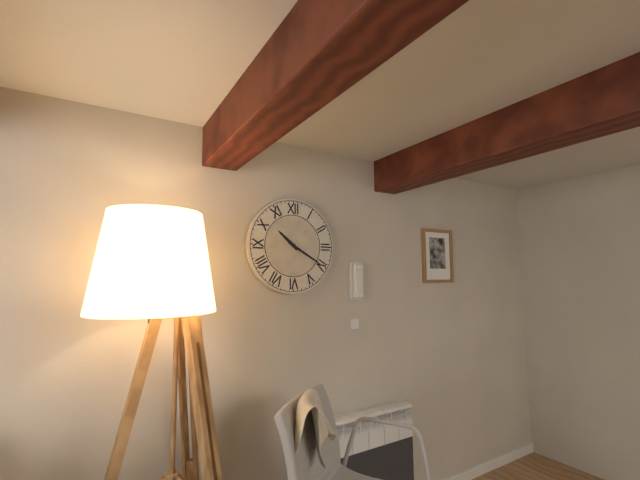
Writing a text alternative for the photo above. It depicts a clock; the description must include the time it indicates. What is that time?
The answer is 10:20
